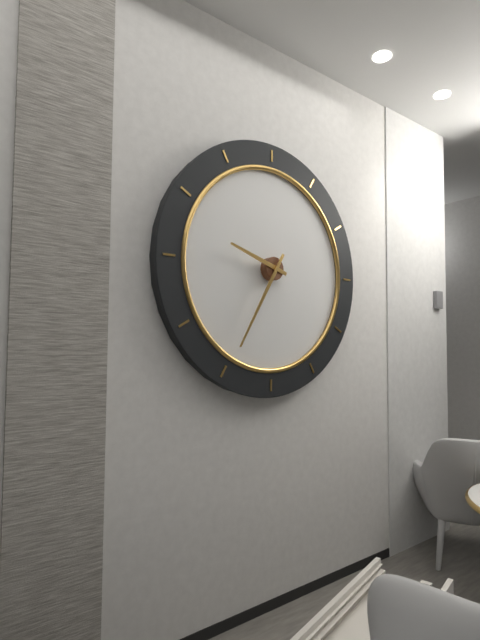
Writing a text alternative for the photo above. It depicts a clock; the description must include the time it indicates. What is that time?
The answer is 9:35
